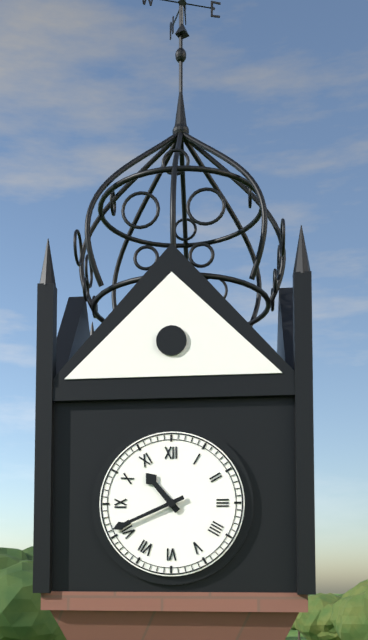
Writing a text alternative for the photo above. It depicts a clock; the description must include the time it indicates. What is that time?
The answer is 10:41
